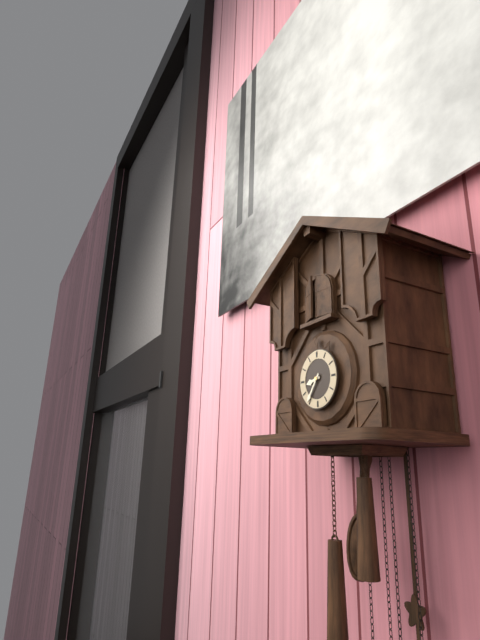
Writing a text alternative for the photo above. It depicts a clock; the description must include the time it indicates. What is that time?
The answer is 8:36
